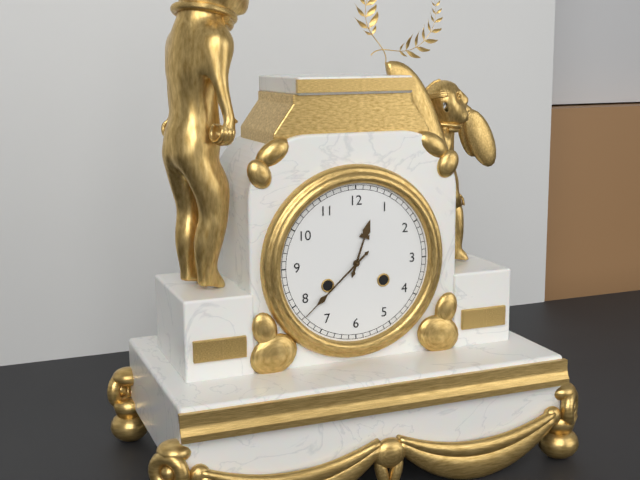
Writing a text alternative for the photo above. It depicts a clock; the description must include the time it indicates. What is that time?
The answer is 12:38
